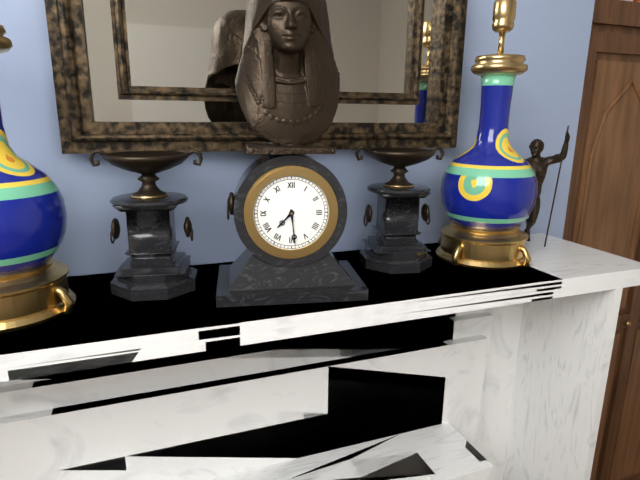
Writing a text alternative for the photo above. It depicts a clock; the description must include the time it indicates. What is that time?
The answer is 7:29
